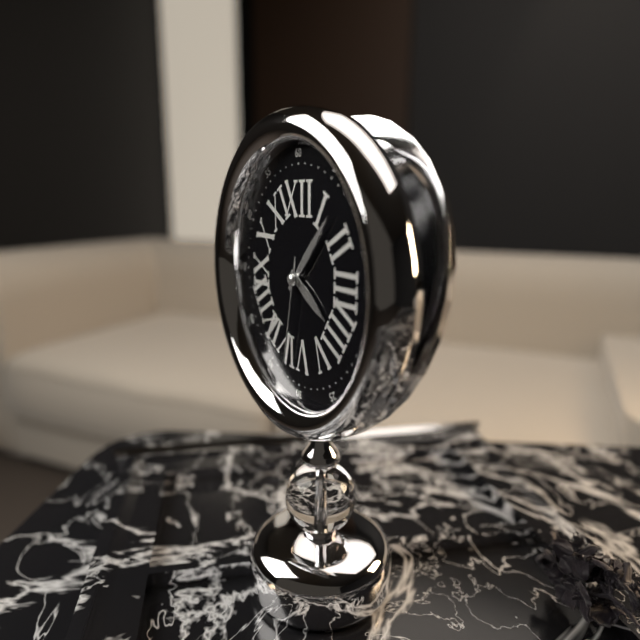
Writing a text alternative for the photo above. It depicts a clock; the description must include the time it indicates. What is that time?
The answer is 4:07:32
